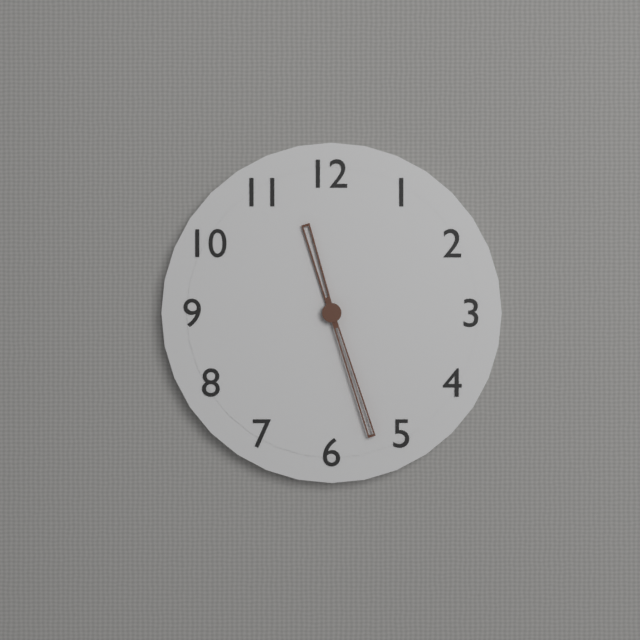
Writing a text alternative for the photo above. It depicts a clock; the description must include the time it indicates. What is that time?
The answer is 11:27
